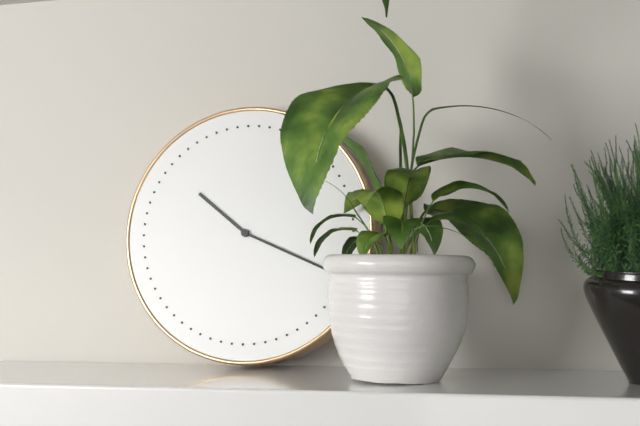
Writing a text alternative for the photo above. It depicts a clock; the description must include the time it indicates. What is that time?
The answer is 10:19
